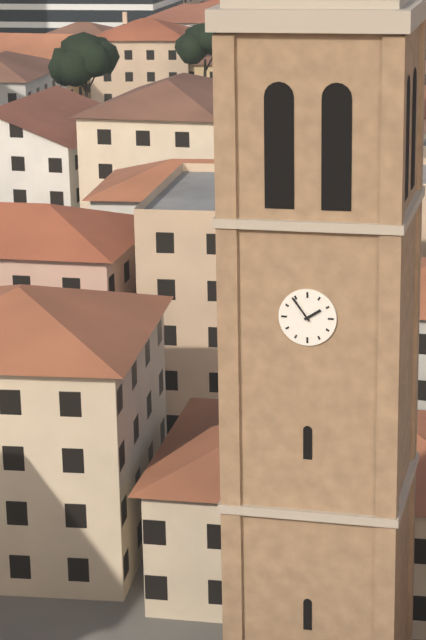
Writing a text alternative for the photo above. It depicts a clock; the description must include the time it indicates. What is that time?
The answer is 1:54
